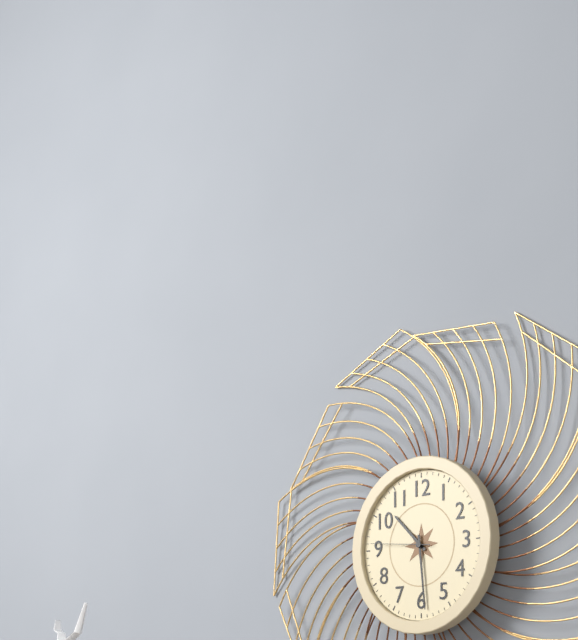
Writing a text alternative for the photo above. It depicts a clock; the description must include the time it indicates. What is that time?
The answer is 10:29:46
